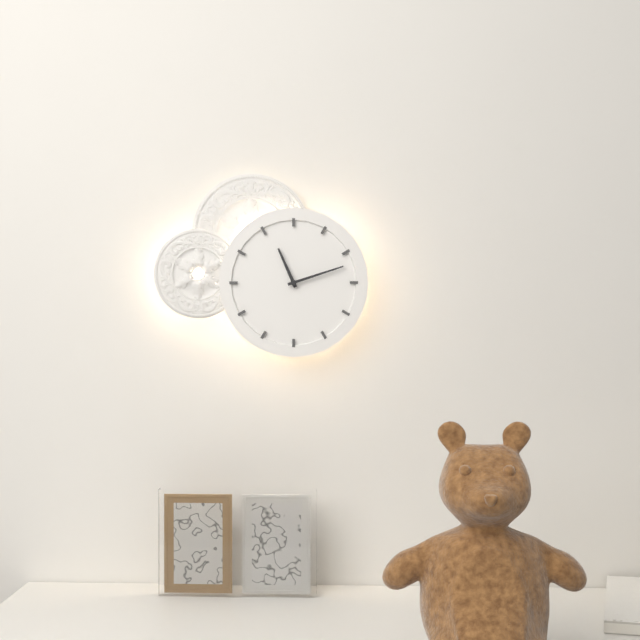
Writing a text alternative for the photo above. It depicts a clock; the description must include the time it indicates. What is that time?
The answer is 11:12
